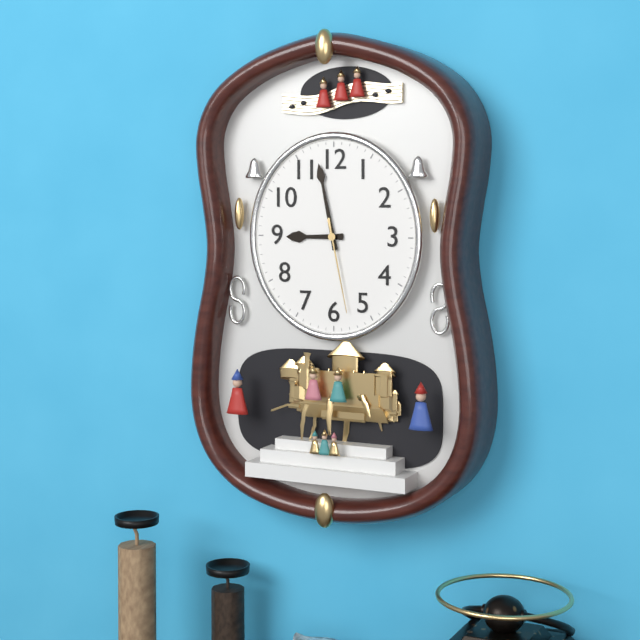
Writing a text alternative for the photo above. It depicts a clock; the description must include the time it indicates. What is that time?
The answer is 8:58:28
